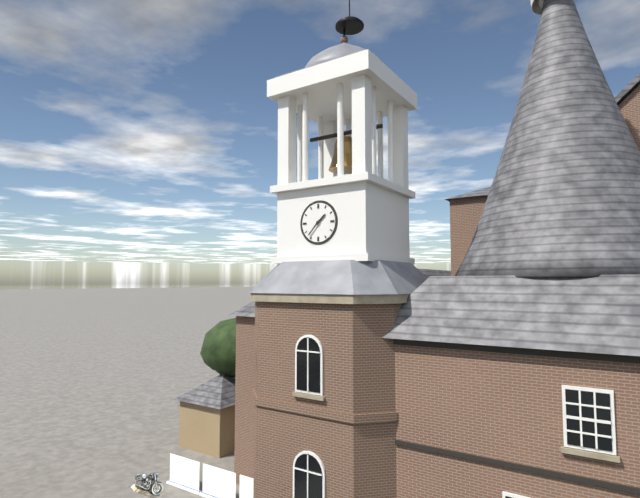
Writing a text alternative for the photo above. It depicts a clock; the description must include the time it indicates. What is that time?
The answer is 1:37
